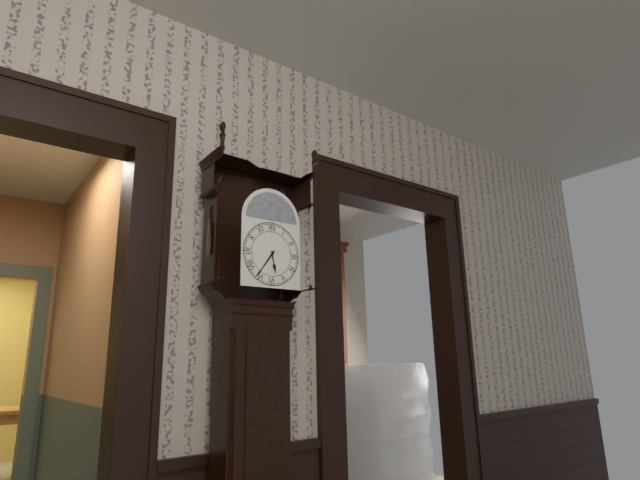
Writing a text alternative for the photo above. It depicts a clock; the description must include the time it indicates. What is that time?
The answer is 5:36
